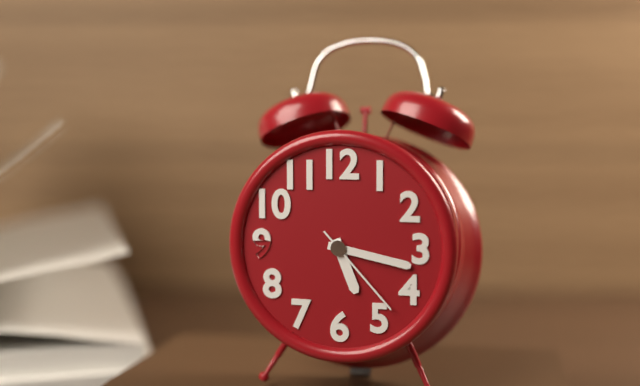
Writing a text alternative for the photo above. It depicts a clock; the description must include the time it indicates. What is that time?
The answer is 5:17:23
